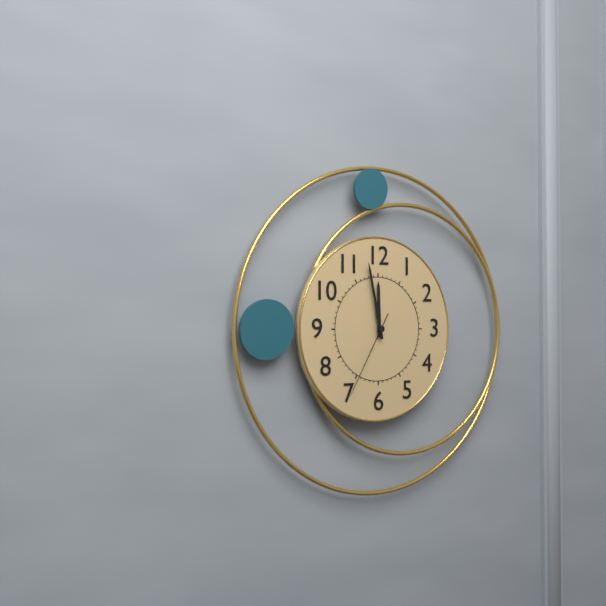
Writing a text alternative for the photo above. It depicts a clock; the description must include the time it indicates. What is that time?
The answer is 11:58:35
